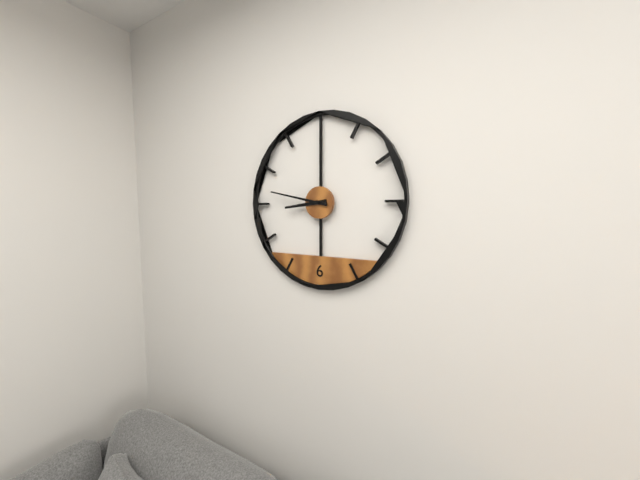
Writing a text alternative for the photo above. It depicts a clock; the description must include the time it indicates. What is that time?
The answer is 8:47
